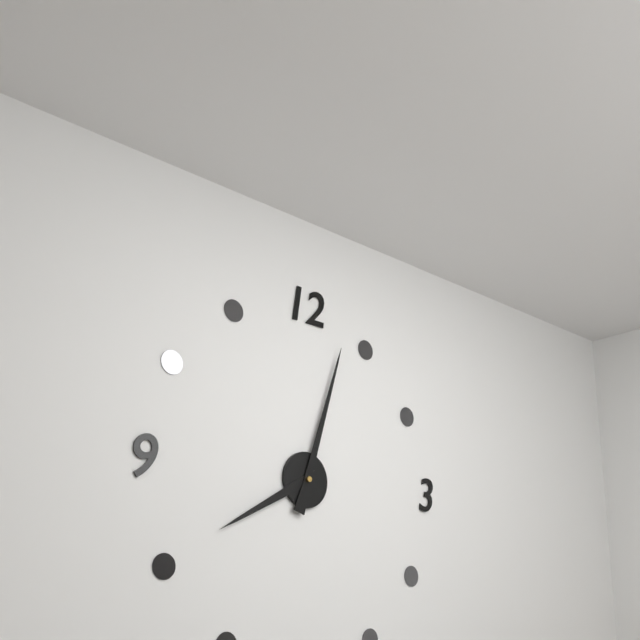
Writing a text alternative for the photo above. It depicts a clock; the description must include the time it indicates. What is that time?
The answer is 8:03
